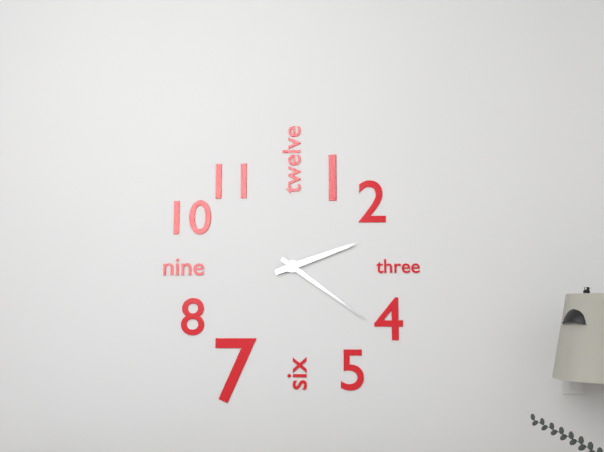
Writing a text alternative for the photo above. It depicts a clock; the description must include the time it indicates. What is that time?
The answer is 2:21
